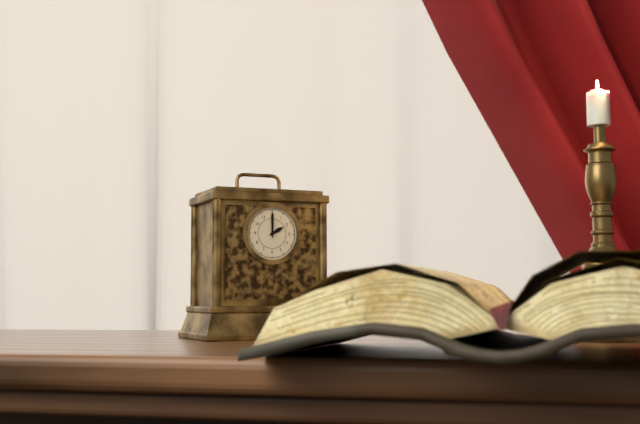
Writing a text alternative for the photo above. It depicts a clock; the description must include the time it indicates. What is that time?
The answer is 2:00
